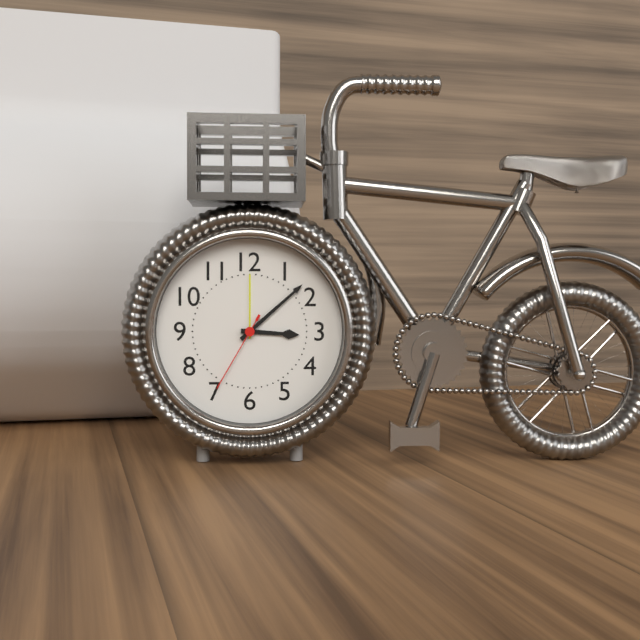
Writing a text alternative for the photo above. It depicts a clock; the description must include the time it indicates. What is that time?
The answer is 3:08:35
